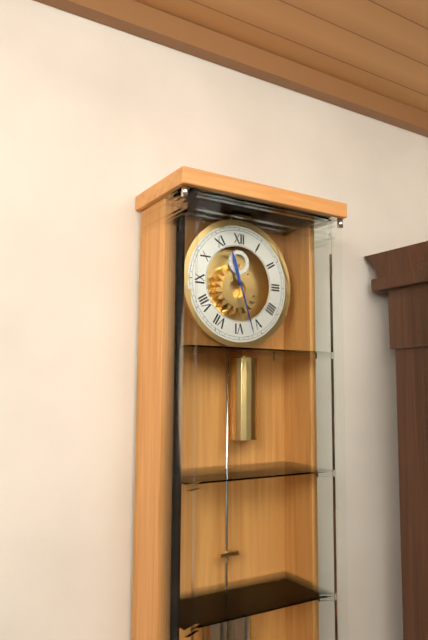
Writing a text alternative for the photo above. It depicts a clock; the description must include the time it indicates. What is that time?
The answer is 11:27
